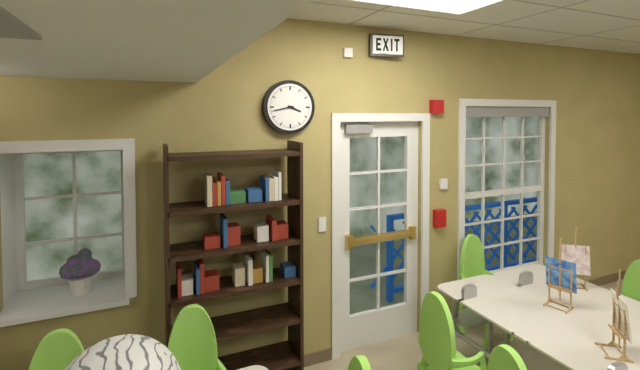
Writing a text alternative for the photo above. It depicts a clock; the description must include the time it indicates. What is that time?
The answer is 3:43
